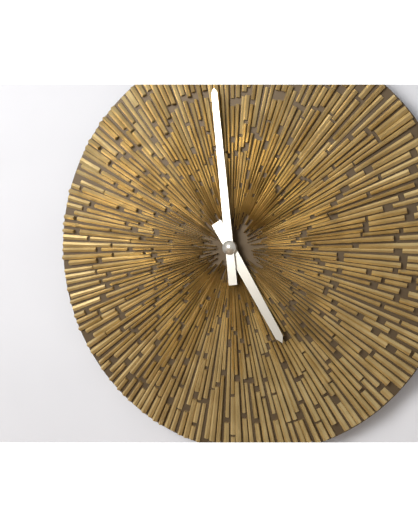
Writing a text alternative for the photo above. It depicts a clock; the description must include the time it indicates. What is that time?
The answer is 4:59
